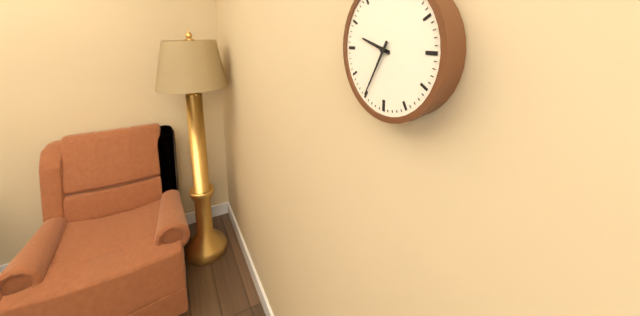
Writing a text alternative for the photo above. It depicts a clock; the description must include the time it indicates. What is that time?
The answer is 9:35
